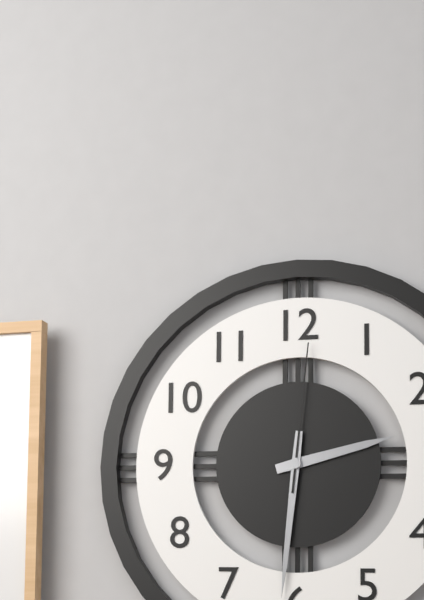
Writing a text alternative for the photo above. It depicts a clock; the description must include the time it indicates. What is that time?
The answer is 2:31:01
